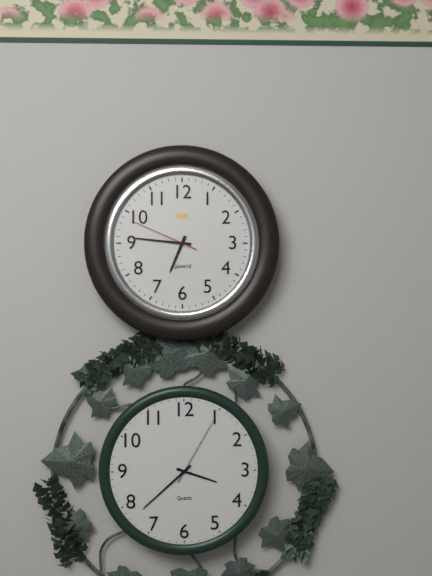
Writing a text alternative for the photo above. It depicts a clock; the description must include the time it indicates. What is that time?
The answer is 6:46:49
